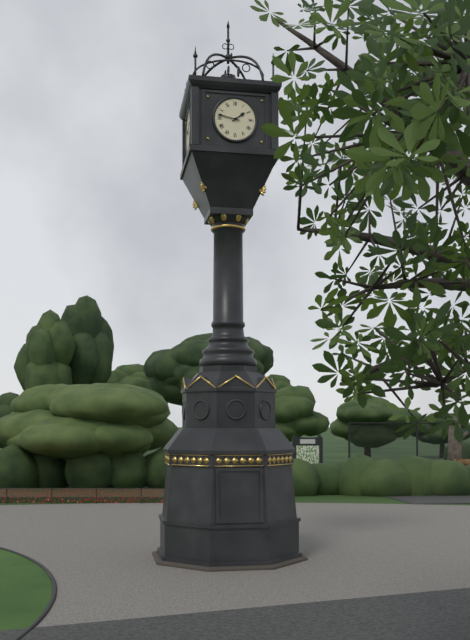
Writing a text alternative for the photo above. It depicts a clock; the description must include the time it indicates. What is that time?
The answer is 1:47
